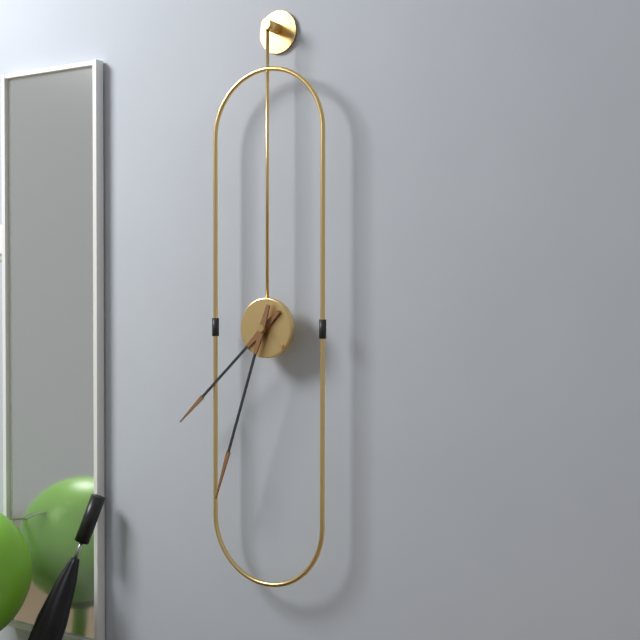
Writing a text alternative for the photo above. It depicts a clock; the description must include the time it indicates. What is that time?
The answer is 7:33
